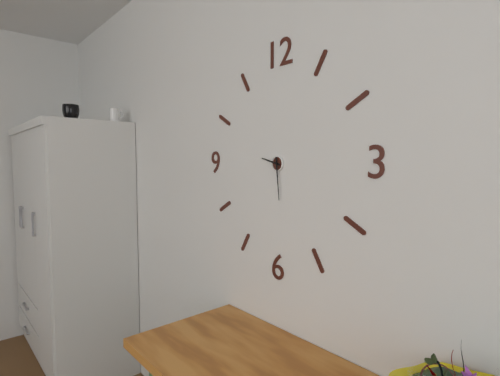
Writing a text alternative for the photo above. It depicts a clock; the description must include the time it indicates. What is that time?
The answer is 9:29
